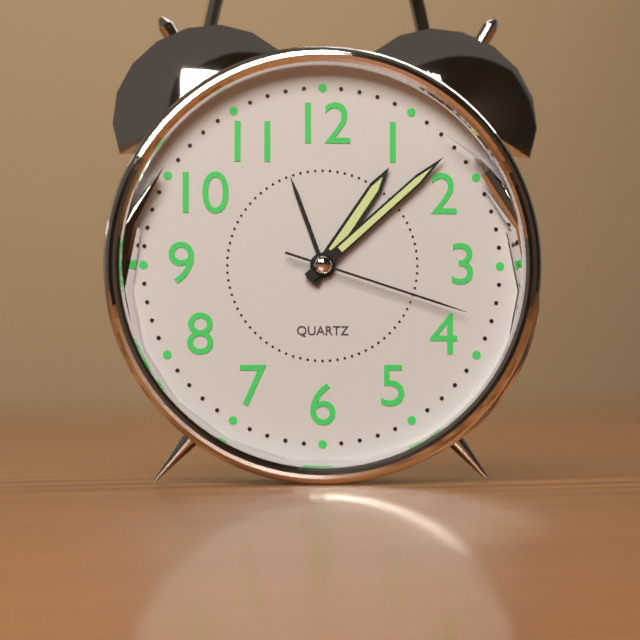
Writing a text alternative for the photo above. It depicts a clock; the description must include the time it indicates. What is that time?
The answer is 1:08:18
